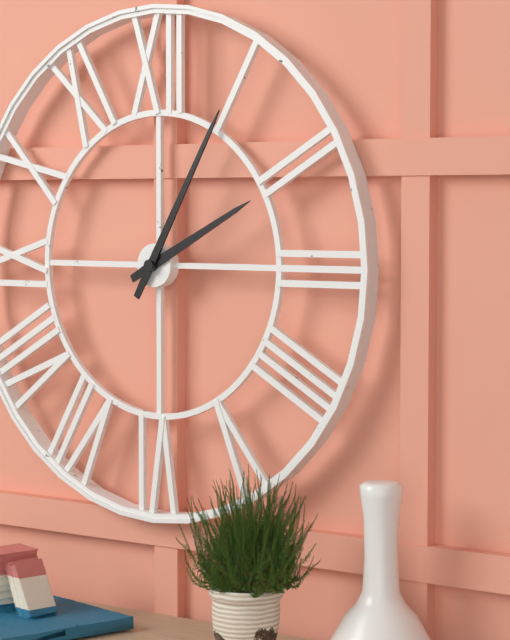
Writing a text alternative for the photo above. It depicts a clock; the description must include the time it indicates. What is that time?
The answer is 2:05
